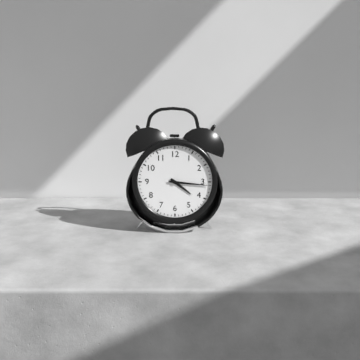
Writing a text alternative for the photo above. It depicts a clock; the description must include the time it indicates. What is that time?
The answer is 4:16
